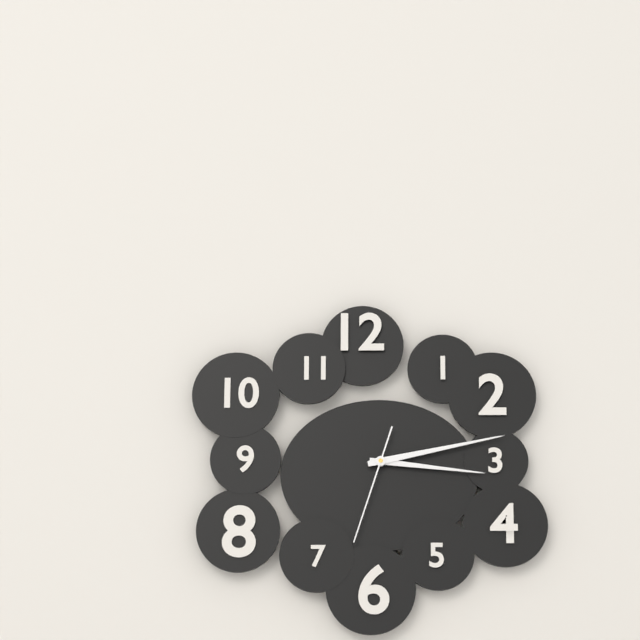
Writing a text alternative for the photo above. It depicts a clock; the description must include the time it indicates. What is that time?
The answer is 3:13:33
